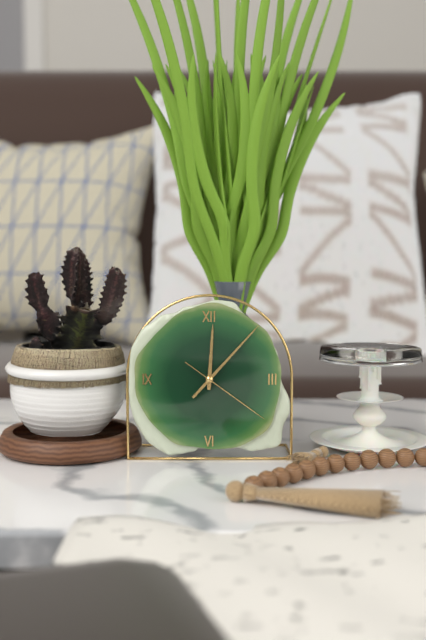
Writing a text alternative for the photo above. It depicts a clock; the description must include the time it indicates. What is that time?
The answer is 12:07:21
